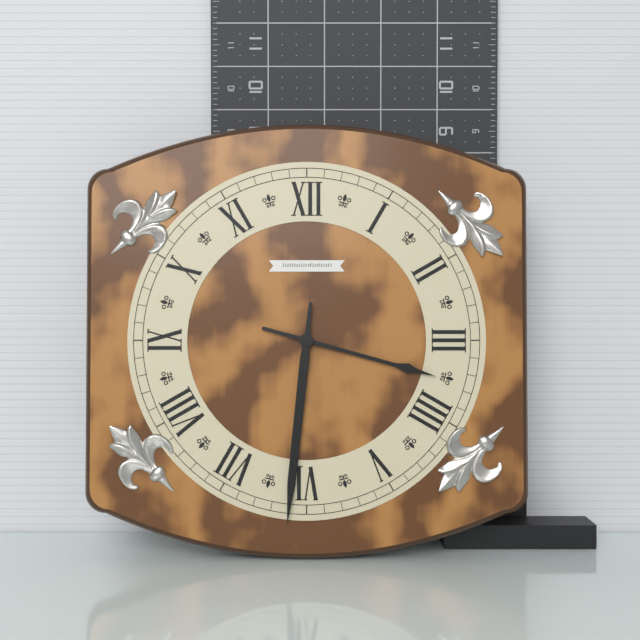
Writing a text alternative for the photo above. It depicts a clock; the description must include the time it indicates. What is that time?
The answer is 3:31
